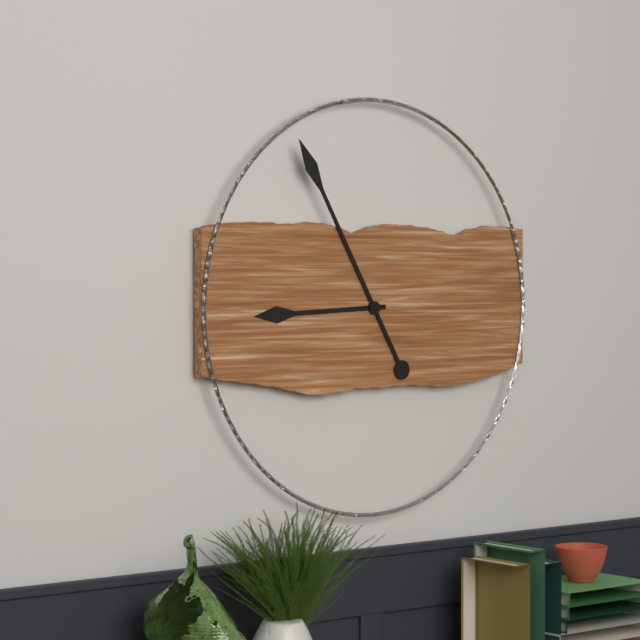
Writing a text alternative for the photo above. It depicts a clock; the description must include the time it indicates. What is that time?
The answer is 8:55
